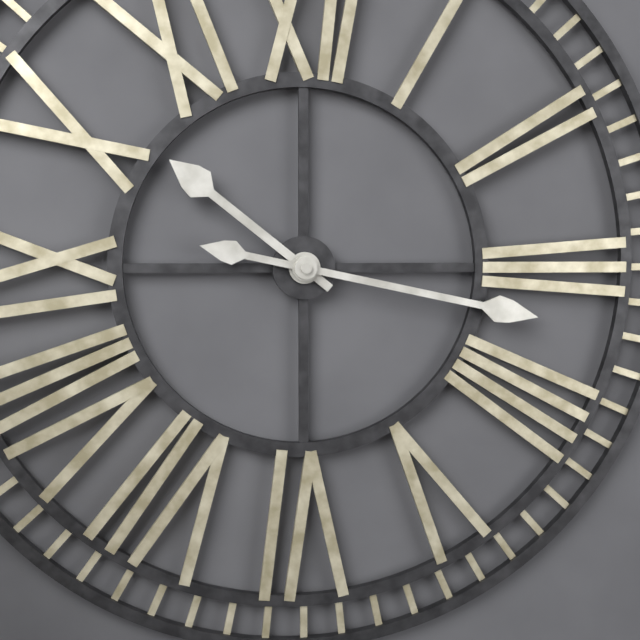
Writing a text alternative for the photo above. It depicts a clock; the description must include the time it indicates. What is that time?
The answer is 10:17
